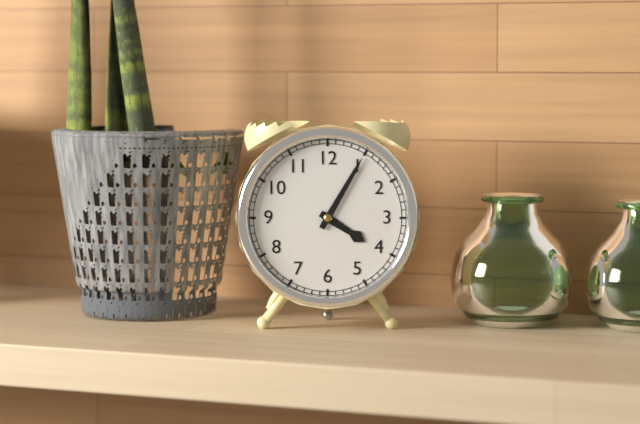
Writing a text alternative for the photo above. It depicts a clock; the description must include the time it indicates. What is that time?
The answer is 4:05
